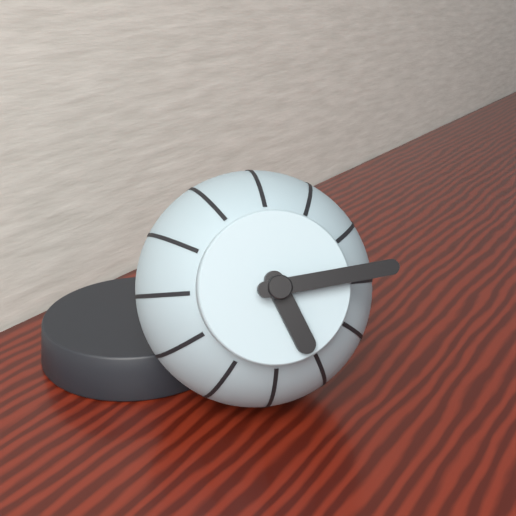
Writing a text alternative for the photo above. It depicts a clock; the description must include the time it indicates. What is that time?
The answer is 5:14
